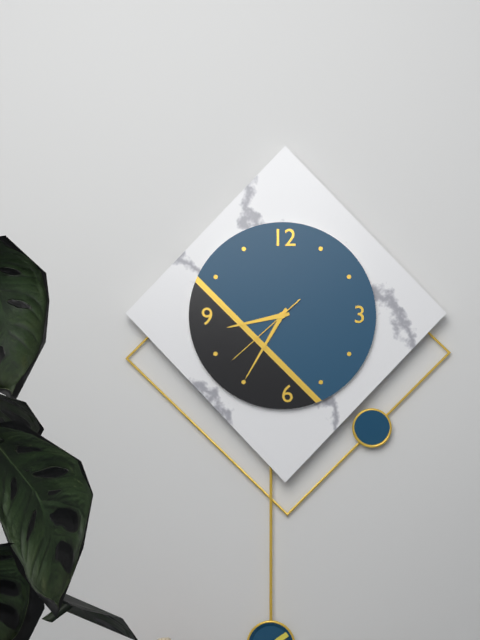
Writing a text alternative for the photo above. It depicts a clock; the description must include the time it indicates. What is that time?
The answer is 8:35:38
